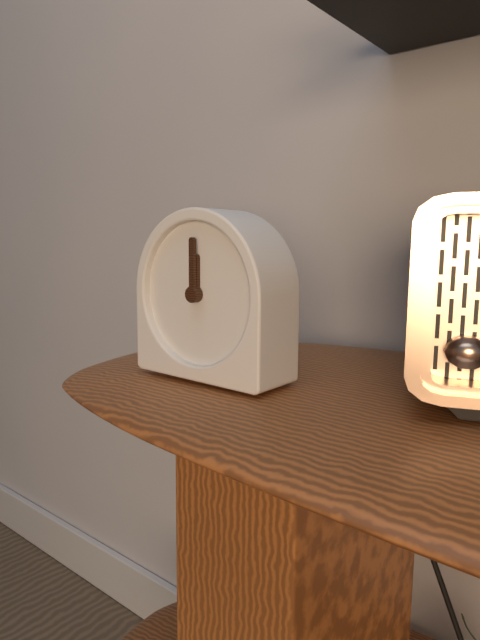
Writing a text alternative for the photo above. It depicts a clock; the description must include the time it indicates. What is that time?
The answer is 12:00
